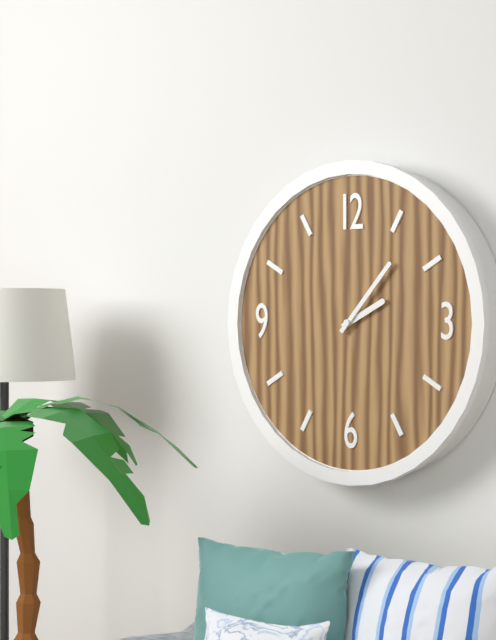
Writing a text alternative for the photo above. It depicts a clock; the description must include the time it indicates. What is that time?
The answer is 2:07
